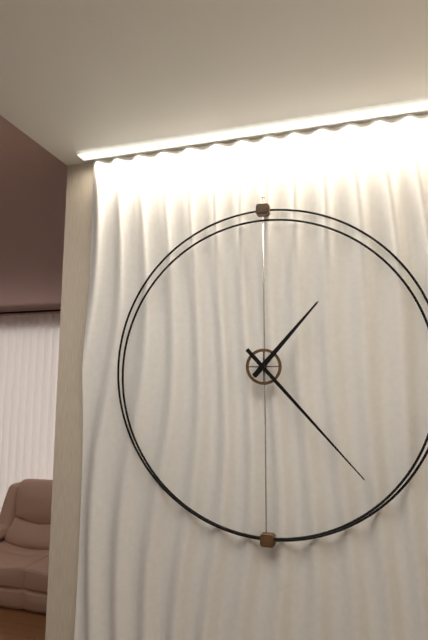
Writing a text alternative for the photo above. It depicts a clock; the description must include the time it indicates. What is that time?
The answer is 1:23
